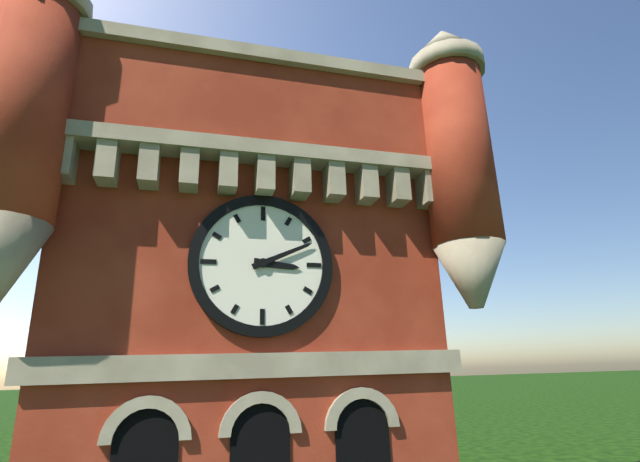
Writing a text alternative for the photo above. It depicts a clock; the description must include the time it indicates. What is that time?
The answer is 3:11
